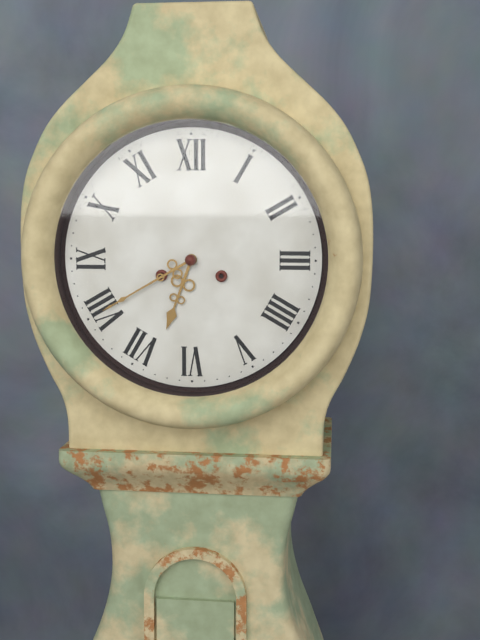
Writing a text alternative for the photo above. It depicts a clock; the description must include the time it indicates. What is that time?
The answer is 6:40
